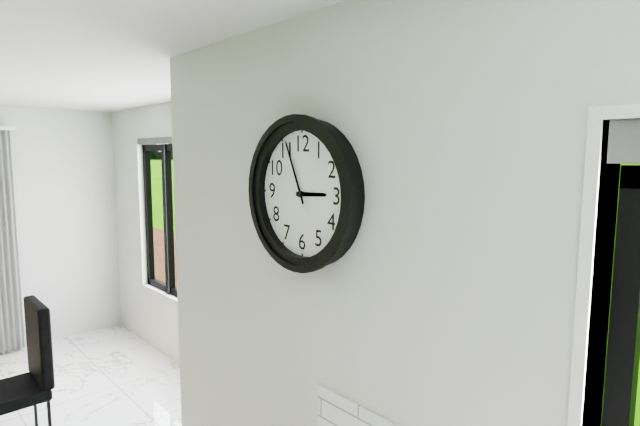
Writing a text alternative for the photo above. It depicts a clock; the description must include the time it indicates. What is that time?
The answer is 2:56
